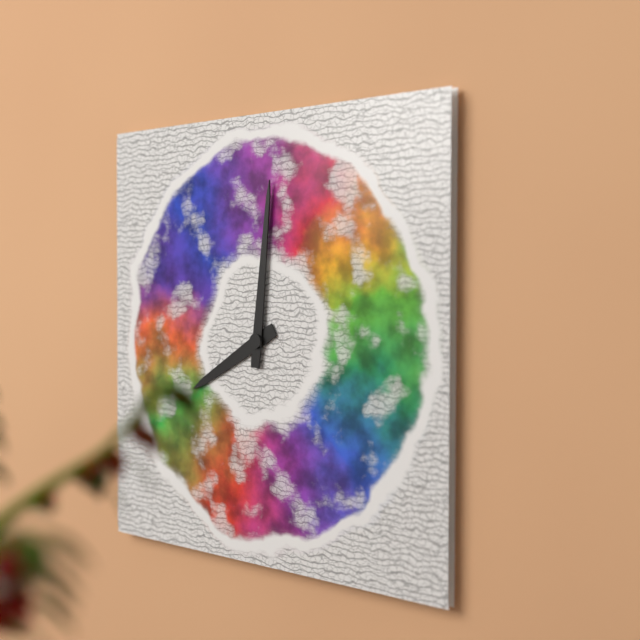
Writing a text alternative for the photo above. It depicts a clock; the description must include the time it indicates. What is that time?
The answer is 8:01
